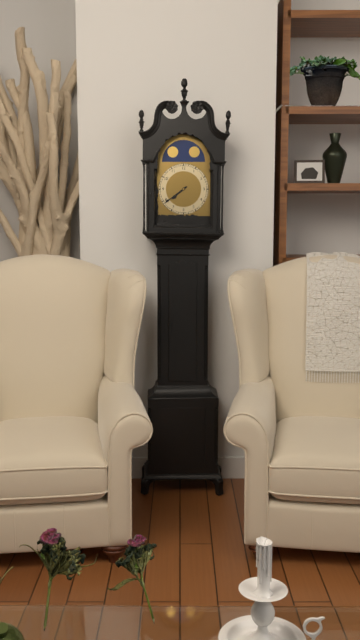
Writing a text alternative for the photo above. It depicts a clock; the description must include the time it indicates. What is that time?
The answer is 7:39
